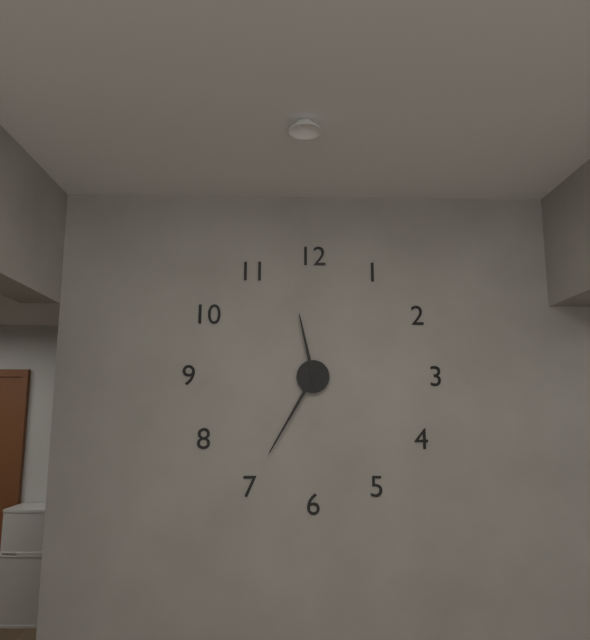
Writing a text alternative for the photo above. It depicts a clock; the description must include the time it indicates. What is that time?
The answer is 11:35
